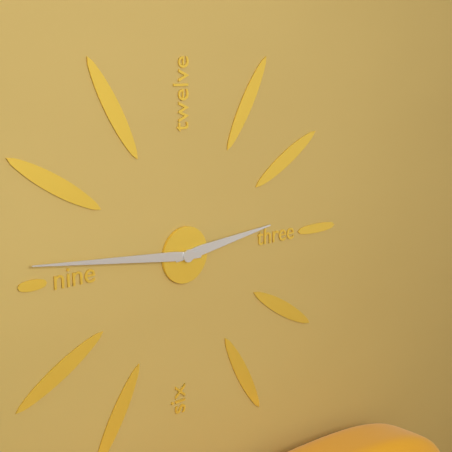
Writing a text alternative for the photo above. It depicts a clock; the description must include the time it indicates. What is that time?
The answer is 2:46
